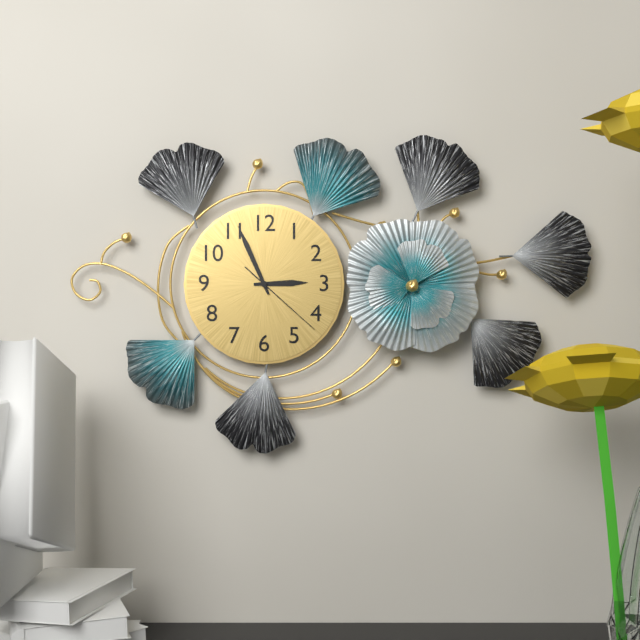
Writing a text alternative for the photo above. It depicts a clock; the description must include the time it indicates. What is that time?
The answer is 2:56:22
